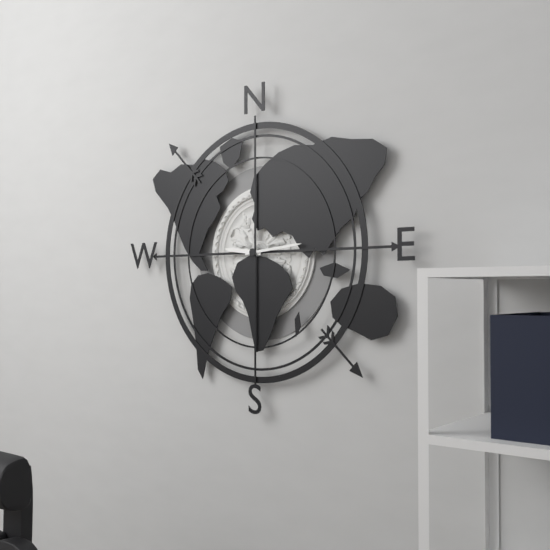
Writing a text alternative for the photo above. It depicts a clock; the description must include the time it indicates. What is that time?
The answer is 9:14
